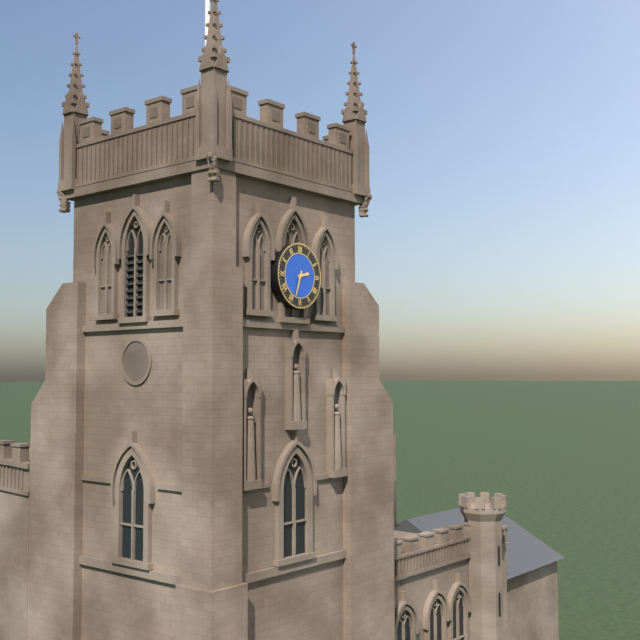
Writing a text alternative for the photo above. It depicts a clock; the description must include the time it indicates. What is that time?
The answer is 2:33
